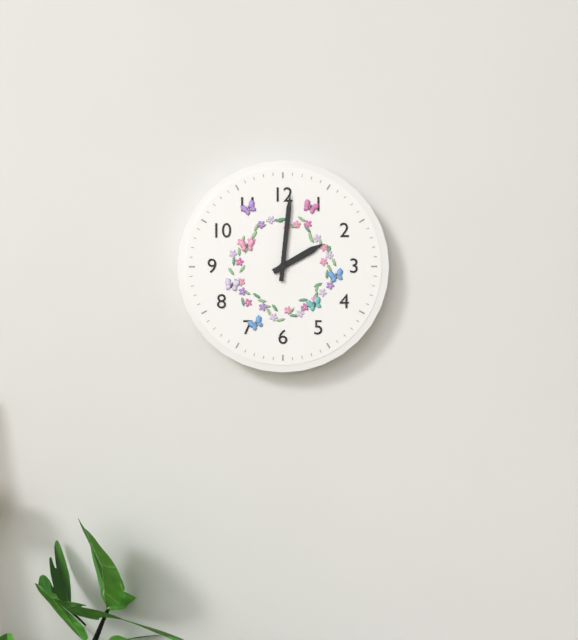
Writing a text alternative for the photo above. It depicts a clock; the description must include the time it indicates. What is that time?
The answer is 2:01
